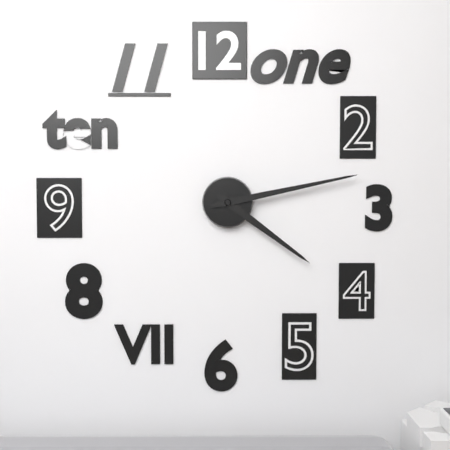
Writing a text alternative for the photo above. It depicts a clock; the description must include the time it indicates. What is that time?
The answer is 4:13
